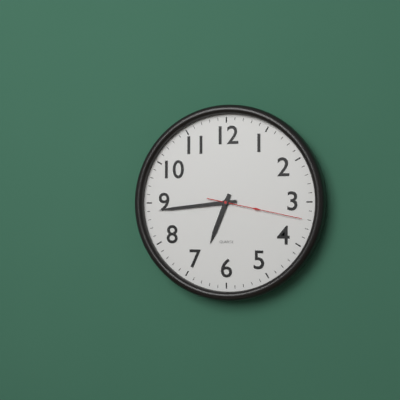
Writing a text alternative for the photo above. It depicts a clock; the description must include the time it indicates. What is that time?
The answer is 6:44:17
